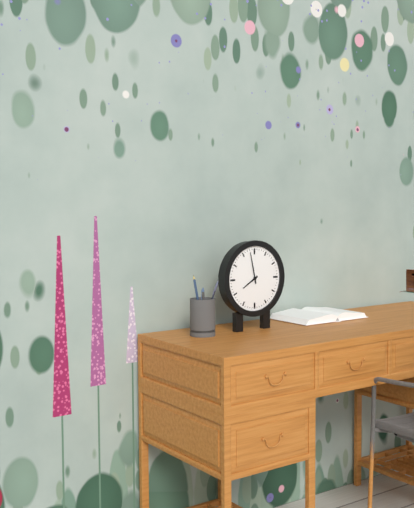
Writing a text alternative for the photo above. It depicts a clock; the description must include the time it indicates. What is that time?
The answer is 7:58
